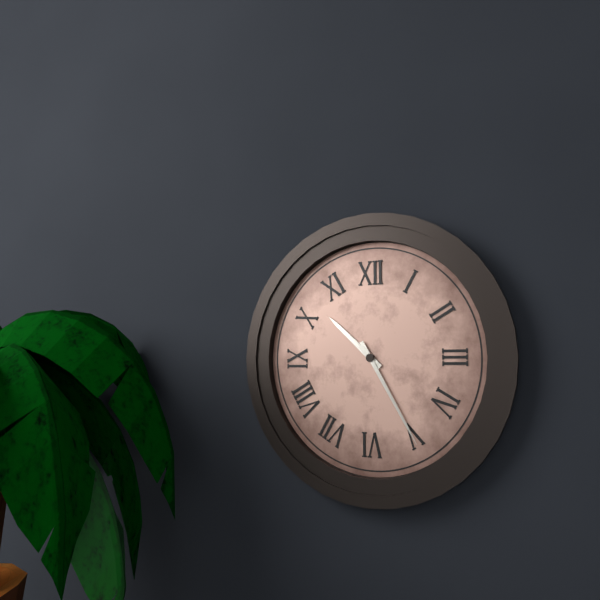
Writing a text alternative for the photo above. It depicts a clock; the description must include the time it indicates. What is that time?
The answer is 10:25
